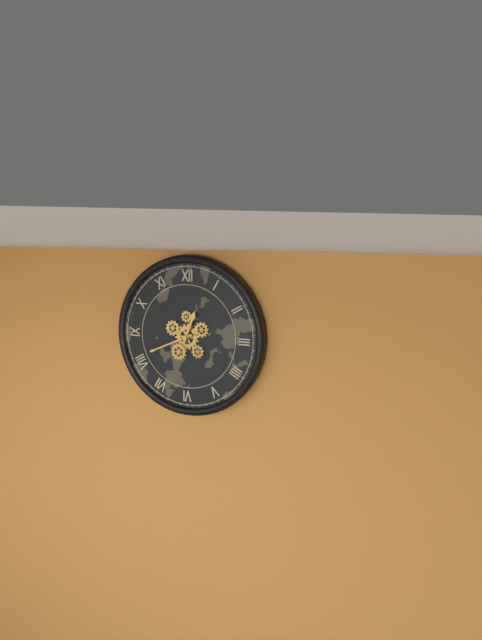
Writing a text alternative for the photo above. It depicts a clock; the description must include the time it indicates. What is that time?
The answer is 12:41
